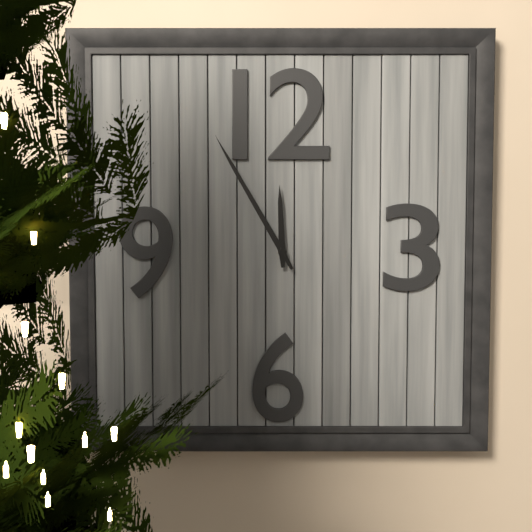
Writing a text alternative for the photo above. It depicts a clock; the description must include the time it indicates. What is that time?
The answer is 11:55
